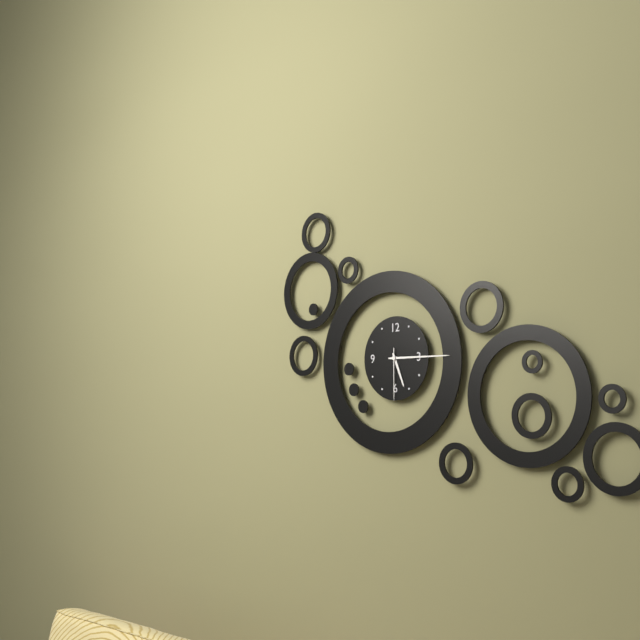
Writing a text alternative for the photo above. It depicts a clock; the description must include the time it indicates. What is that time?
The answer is 5:15:30
